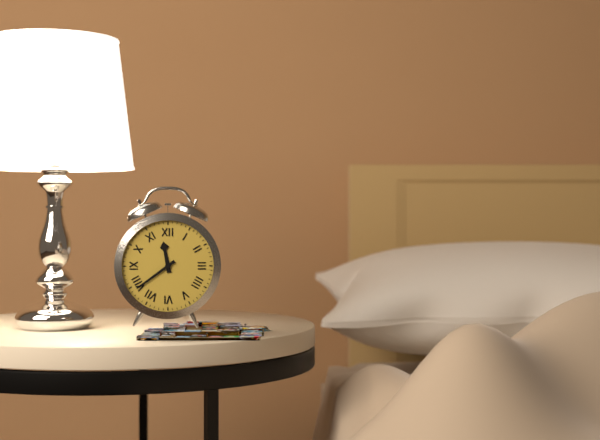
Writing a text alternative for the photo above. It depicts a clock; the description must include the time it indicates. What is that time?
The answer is 11:39
